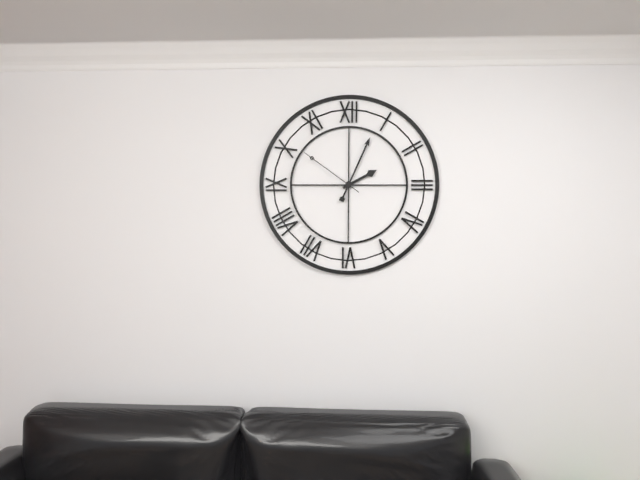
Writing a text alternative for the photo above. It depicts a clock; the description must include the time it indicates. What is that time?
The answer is 2:04:51
